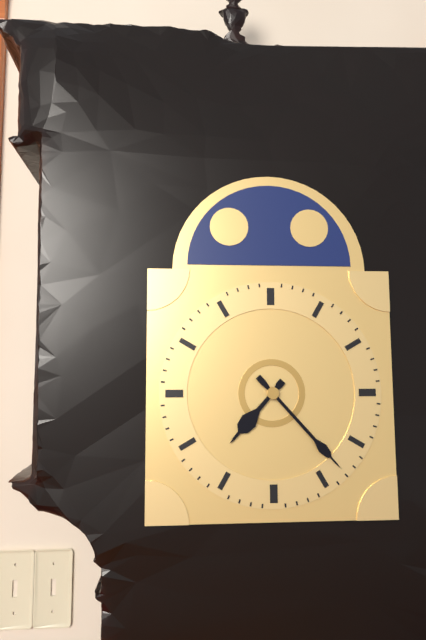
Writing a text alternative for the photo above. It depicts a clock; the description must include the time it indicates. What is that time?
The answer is 7:23
